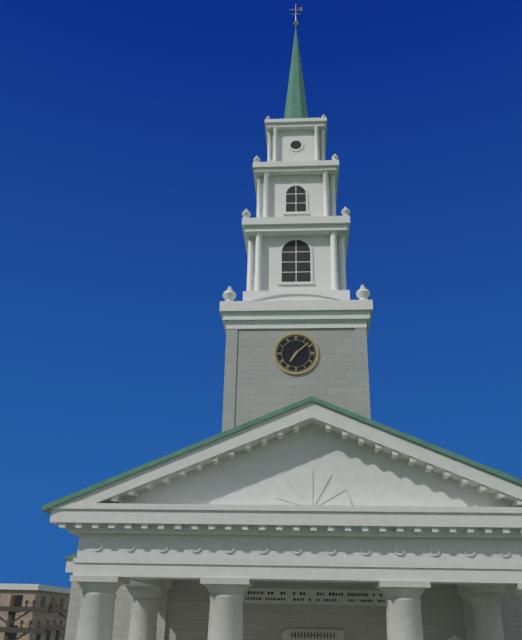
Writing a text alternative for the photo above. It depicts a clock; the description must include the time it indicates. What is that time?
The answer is 7:08
